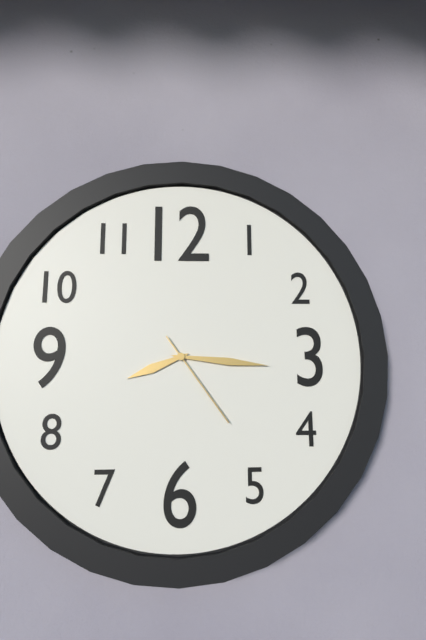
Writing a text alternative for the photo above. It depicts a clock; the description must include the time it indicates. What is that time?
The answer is 8:16:24
